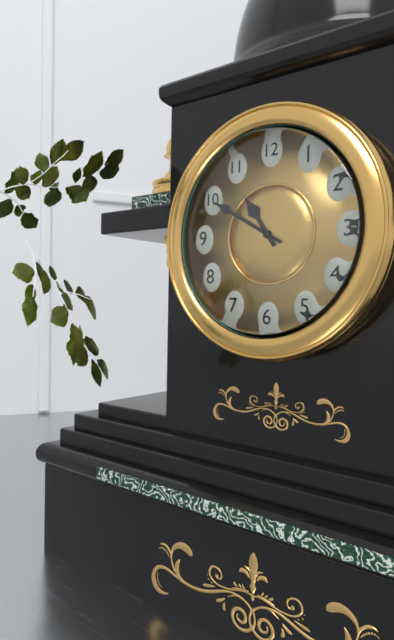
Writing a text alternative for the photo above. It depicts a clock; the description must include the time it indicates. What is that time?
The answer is 10:50
